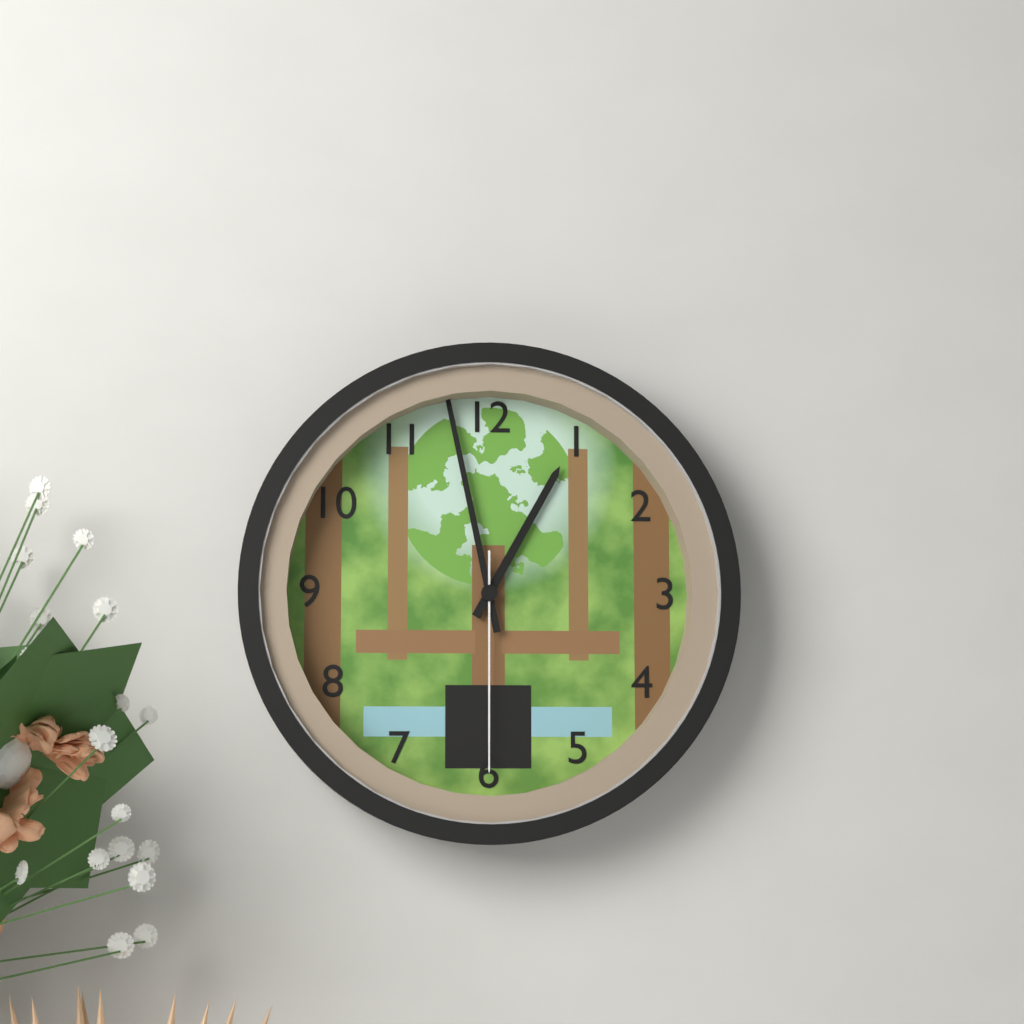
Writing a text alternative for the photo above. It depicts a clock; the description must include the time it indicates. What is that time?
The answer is 12:58:30
